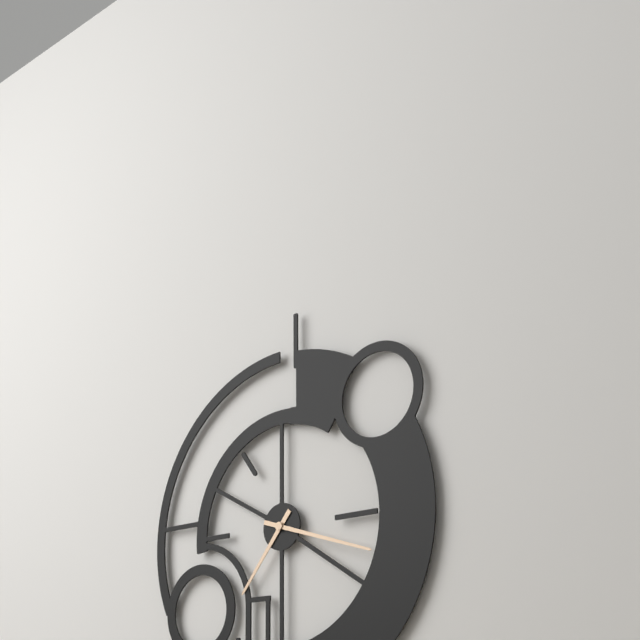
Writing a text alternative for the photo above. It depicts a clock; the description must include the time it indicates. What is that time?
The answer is 7:18
